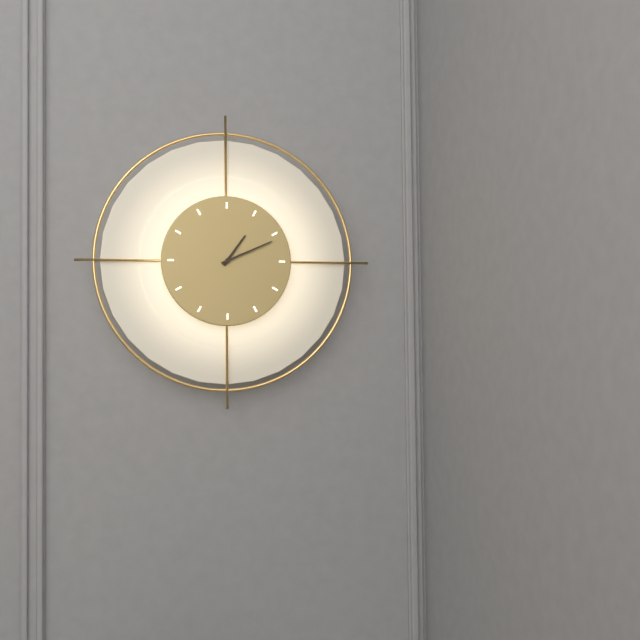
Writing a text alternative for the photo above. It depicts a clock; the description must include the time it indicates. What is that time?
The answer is 1:11
